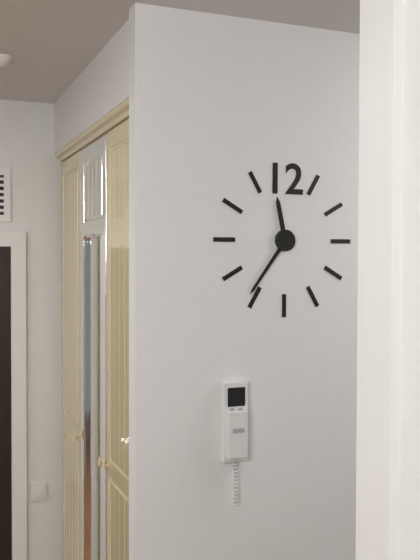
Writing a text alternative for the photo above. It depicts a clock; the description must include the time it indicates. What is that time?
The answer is 11:36
